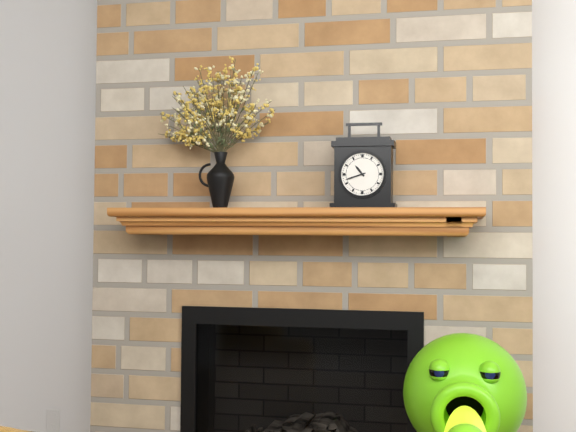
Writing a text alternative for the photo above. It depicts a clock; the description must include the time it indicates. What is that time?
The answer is 10:42
